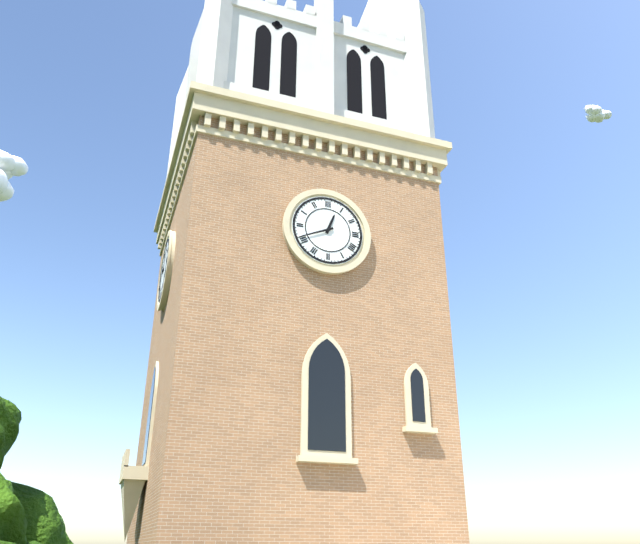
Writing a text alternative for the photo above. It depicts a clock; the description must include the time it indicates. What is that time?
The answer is 12:41
